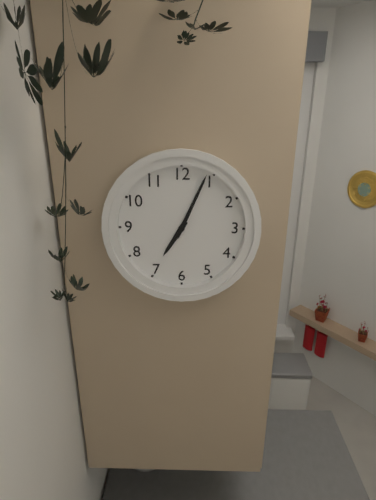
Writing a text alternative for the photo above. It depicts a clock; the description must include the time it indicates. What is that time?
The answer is 7:04
